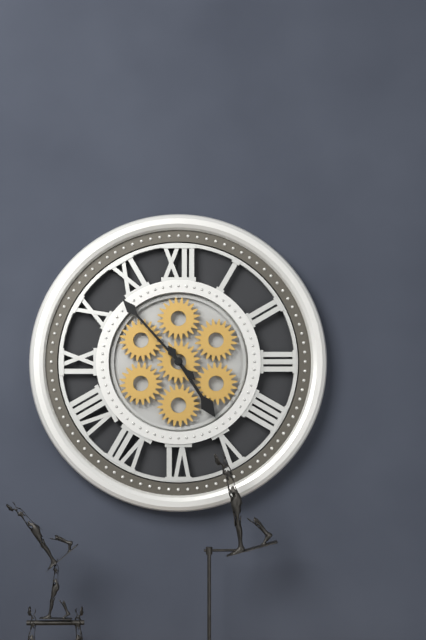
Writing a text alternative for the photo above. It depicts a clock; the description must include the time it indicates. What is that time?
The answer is 4:53
